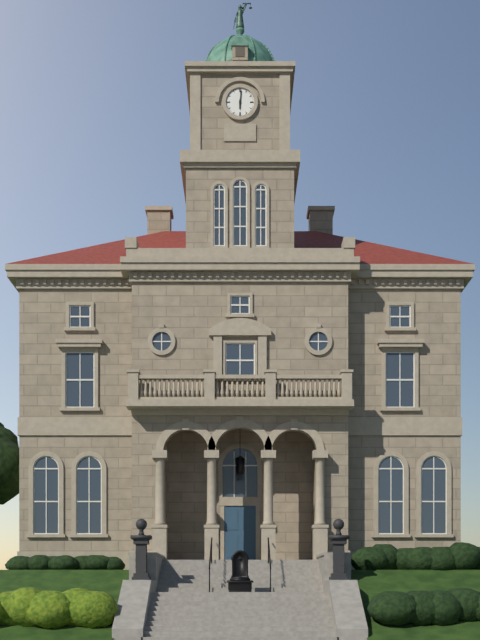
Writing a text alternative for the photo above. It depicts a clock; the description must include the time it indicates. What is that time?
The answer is 6:01
